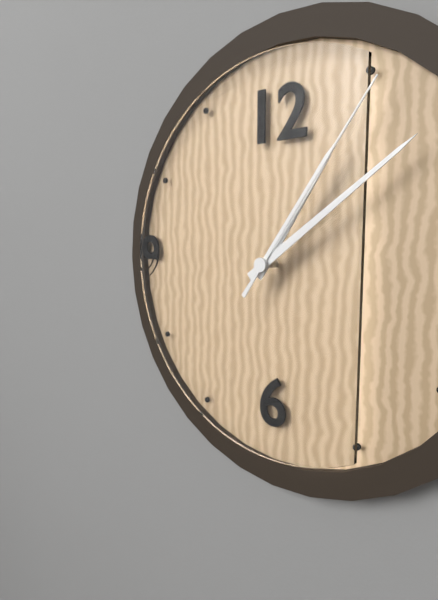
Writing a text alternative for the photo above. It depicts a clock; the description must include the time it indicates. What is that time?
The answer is 1:09:06
